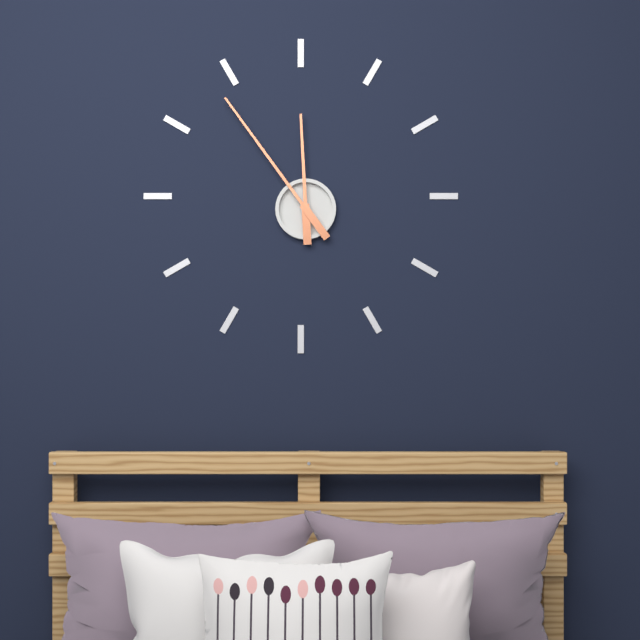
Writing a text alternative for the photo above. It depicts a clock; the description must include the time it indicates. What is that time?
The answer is 11:54
